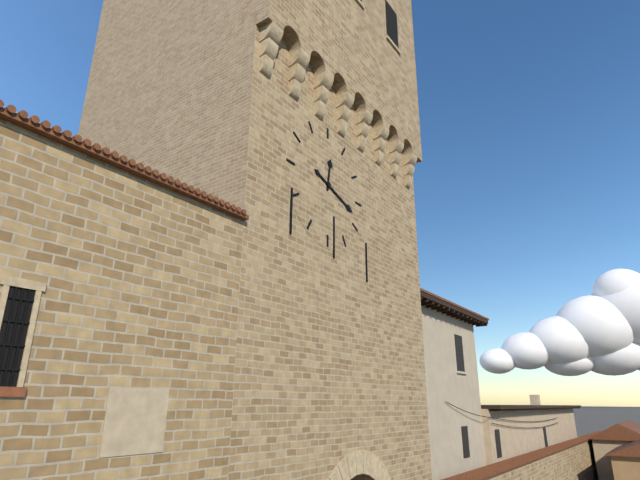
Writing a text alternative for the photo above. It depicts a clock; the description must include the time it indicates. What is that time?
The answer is 12:18
